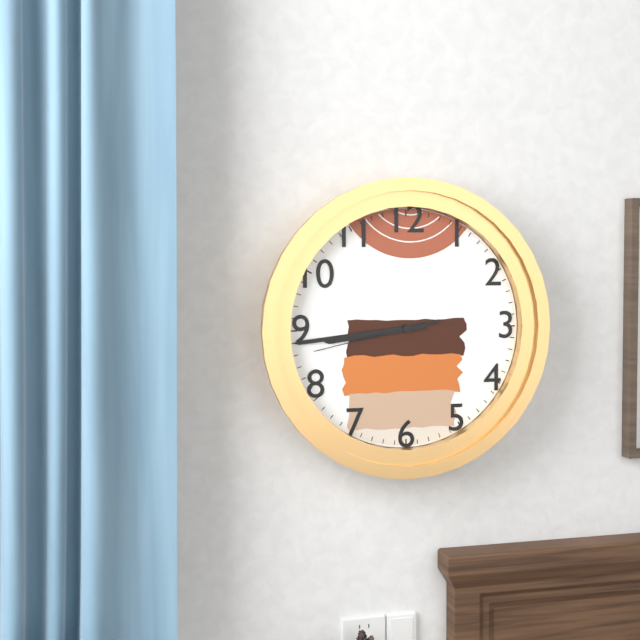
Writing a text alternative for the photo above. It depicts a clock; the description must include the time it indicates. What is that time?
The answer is 8:44:43
